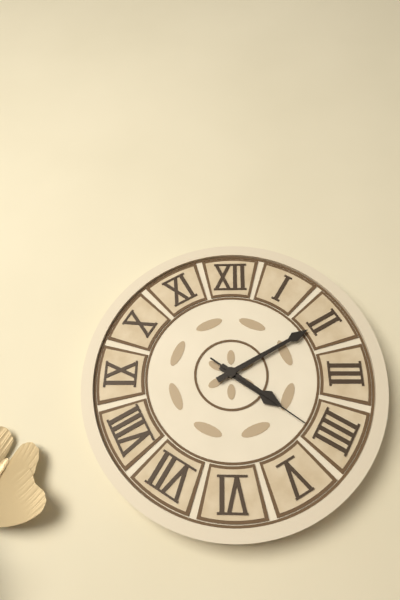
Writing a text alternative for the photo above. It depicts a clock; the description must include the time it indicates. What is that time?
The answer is 4:10:21
